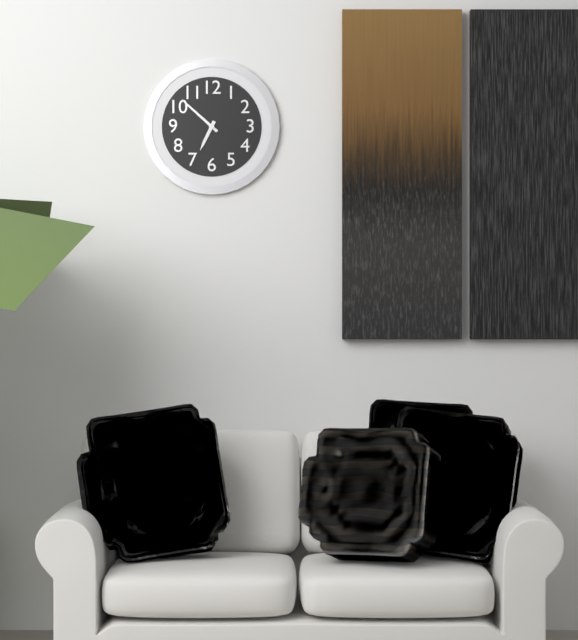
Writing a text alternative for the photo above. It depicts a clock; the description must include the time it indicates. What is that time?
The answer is 6:52
